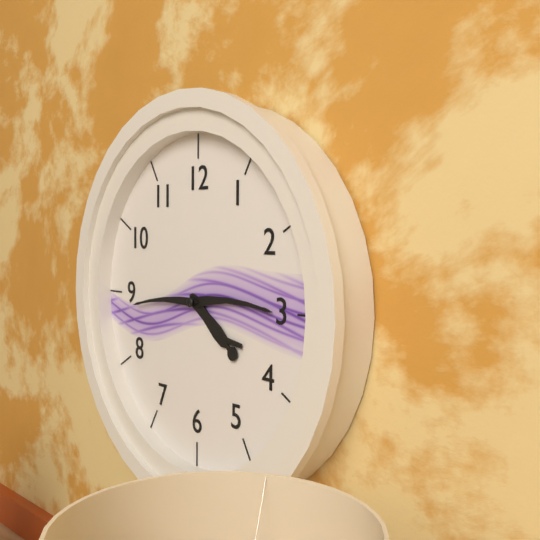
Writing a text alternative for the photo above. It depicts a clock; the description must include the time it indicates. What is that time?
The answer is 4:15:44
